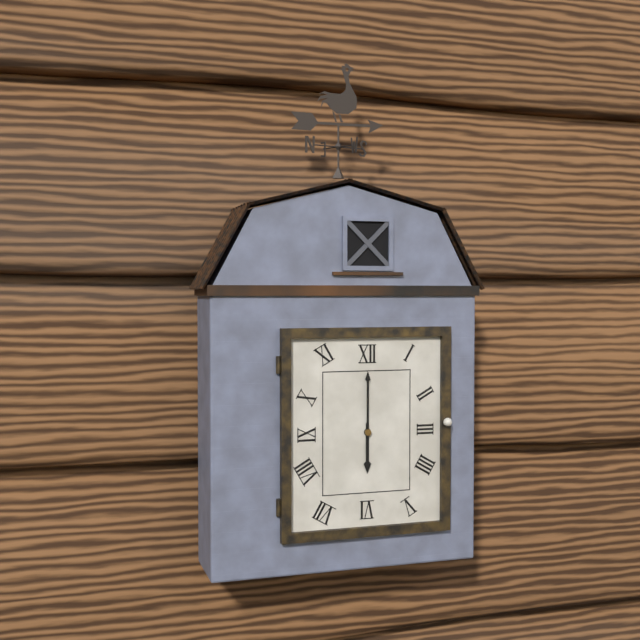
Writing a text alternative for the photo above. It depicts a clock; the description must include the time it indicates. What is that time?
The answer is 6:00
